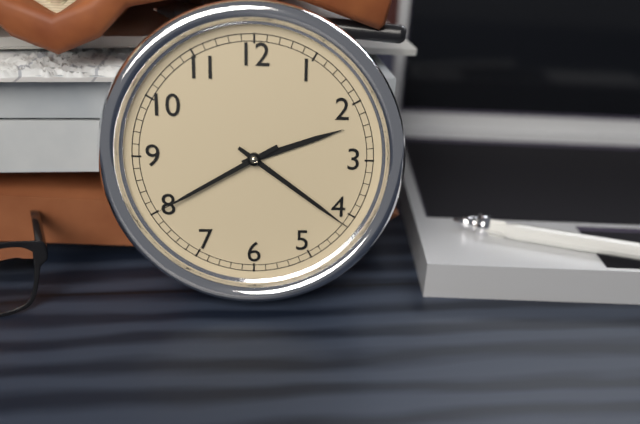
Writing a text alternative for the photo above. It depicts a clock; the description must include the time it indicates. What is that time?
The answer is 2:21:40
